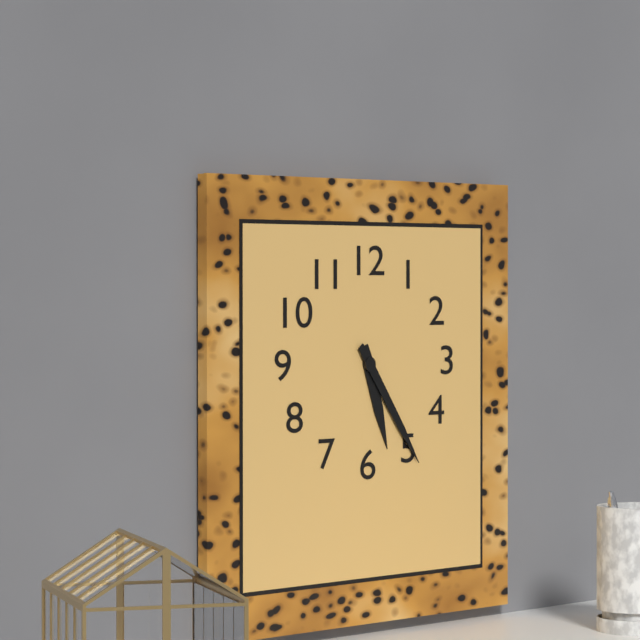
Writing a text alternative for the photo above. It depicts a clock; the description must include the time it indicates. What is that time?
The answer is 5:24
